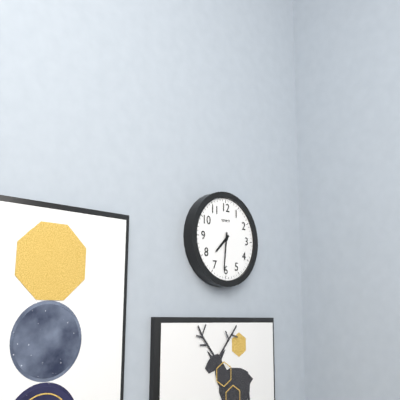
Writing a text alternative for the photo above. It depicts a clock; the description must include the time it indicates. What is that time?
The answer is 7:31
